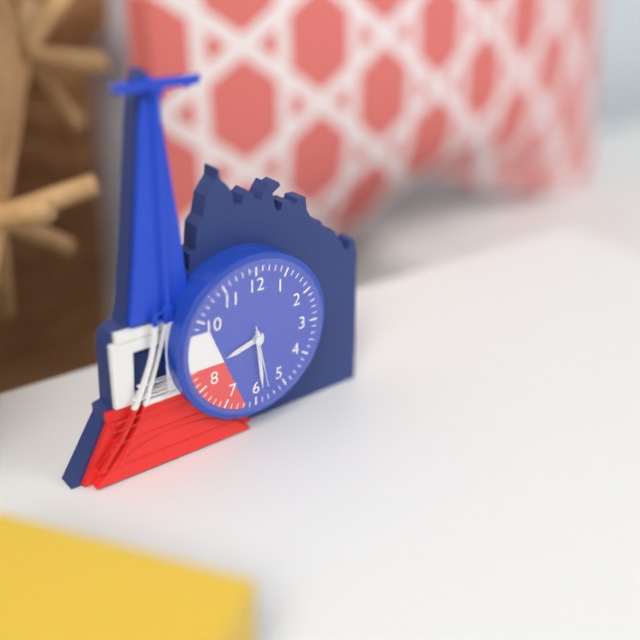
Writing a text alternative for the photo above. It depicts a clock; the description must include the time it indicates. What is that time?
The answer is 8:29:28
